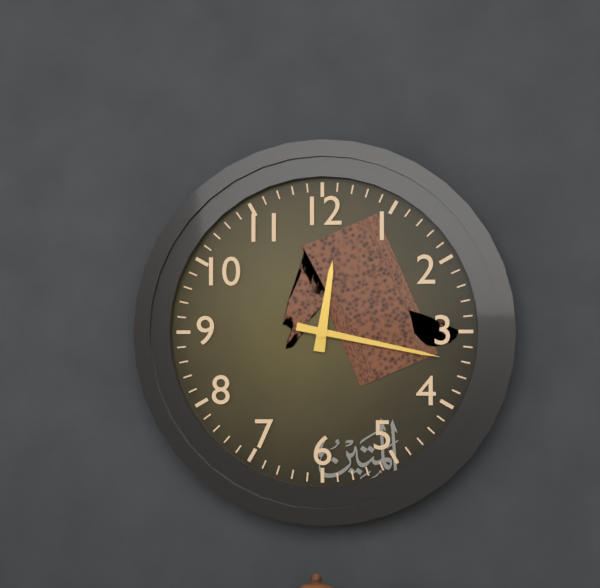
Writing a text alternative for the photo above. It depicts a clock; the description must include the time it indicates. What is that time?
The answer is 12:17
